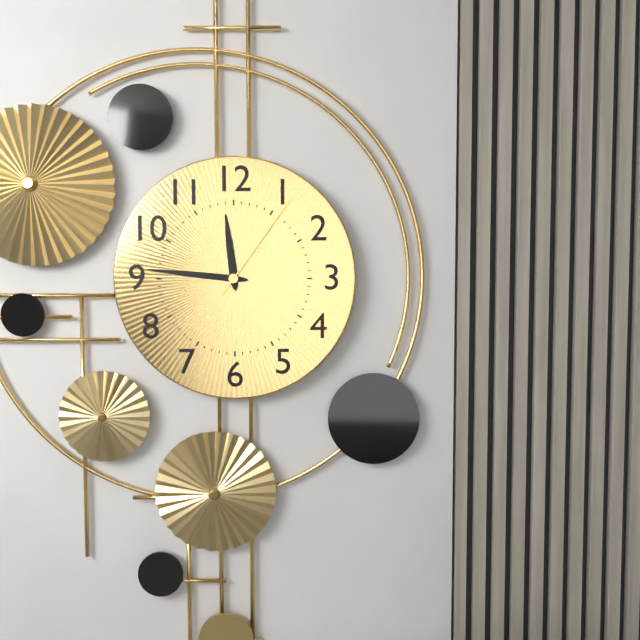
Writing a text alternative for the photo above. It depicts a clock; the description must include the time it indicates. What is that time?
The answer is 11:46:06
